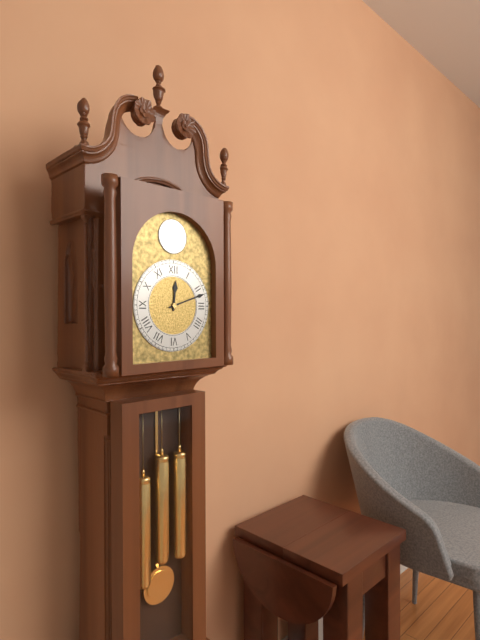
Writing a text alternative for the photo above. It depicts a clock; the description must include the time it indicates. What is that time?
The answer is 12:12
